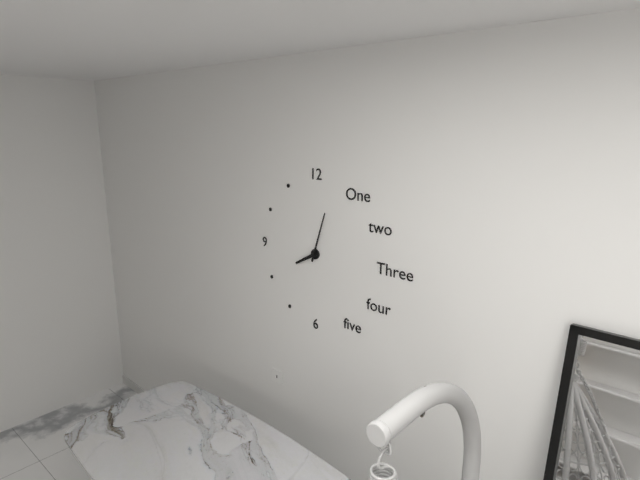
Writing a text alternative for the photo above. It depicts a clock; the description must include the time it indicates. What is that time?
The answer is 8:03
